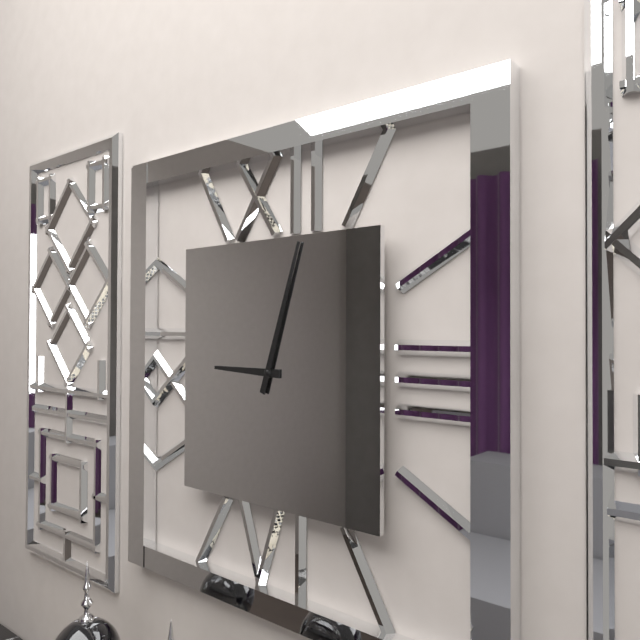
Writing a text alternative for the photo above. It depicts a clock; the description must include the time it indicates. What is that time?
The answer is 9:03
